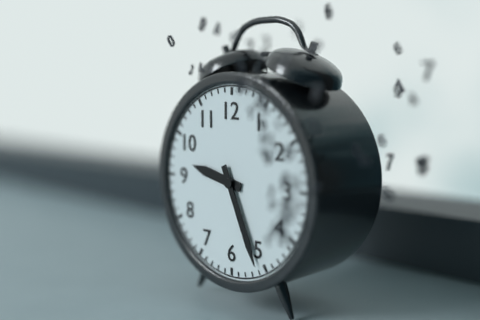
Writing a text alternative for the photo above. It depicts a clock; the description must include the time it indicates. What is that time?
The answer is 9:26
